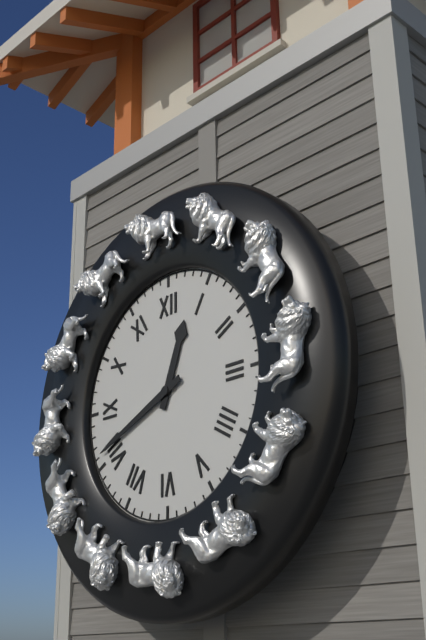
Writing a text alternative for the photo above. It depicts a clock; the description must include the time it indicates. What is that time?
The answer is 12:41
